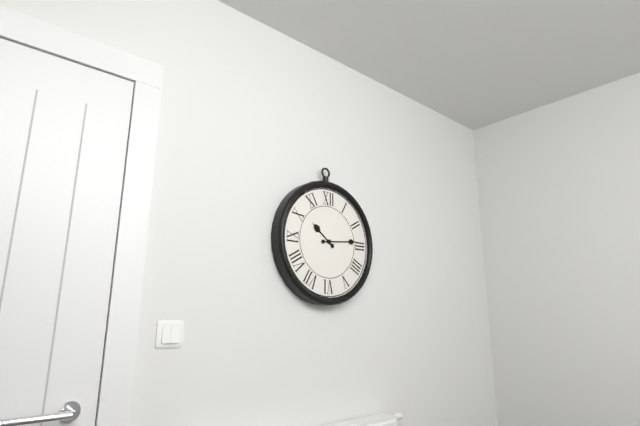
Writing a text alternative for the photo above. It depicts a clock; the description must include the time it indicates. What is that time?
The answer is 10:14
